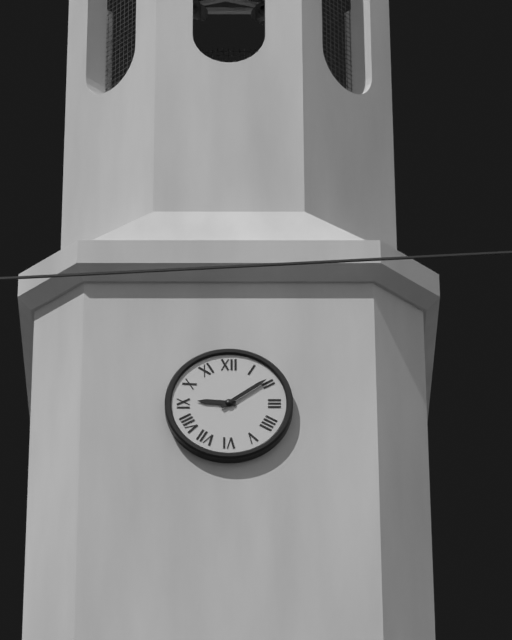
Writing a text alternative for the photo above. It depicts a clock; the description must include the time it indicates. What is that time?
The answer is 9:09
